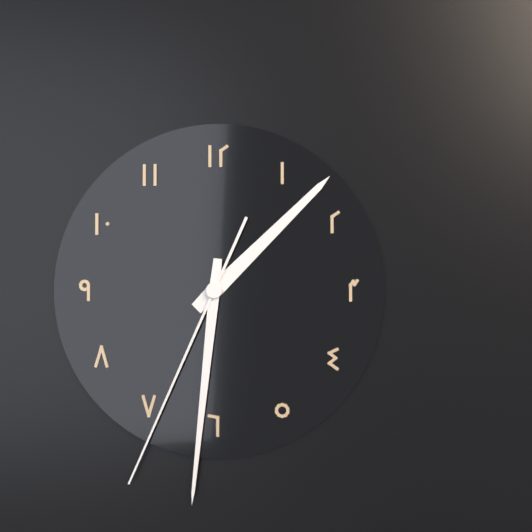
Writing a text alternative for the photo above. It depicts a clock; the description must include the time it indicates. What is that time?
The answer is 1:31:34
